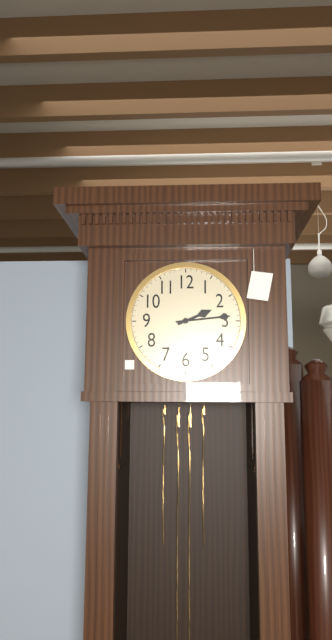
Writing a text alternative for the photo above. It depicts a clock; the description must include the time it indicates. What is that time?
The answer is 2:14
